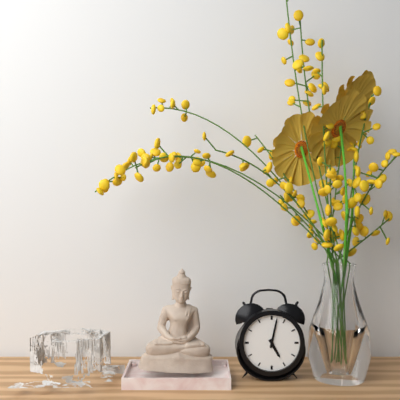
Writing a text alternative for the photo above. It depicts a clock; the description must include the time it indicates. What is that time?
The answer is 5:02
